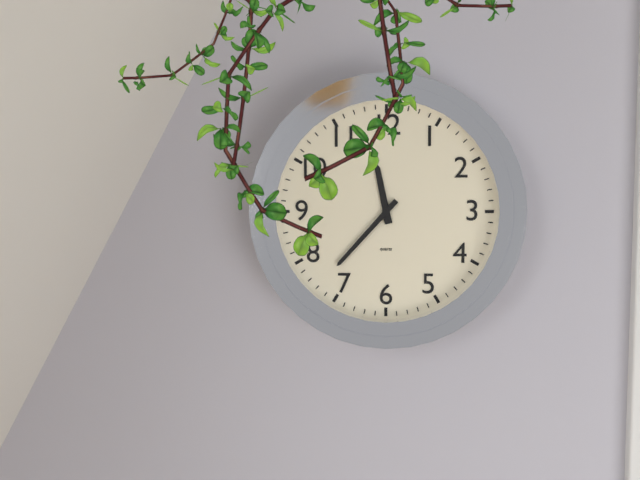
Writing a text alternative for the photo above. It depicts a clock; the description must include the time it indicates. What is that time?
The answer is 11:37
